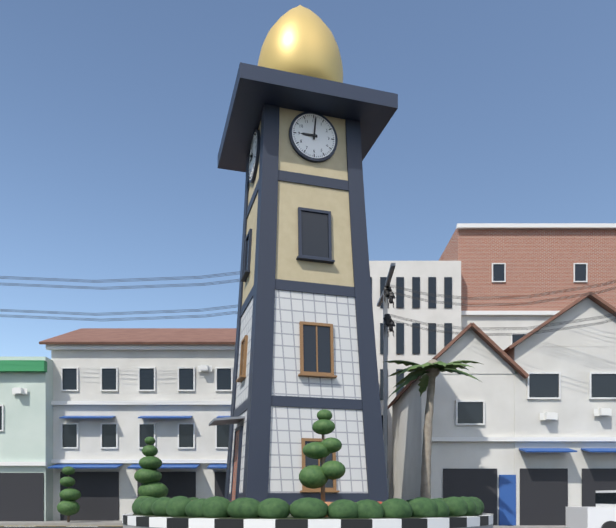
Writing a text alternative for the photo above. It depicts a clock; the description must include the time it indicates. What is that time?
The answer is 9:01
